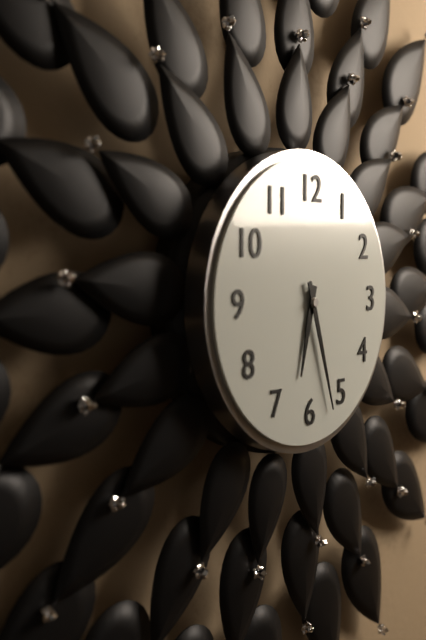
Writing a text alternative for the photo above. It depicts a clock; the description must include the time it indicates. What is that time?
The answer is 6:27
